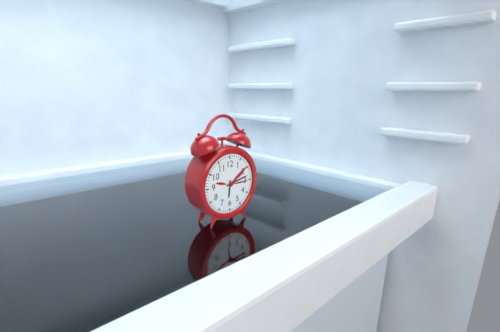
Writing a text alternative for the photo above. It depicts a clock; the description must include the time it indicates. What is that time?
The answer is 6:13
